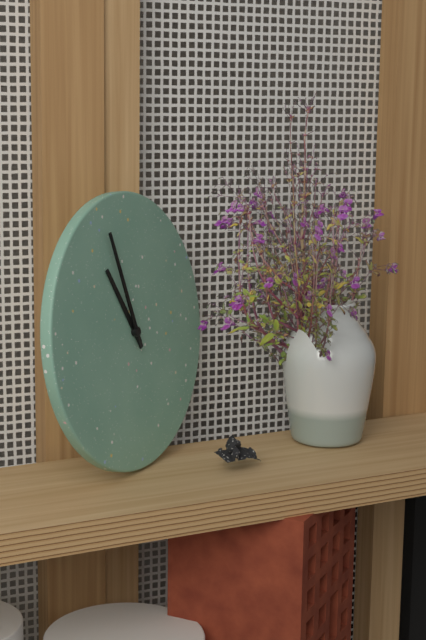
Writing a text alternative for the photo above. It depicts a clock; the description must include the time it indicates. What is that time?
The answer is 10:57
